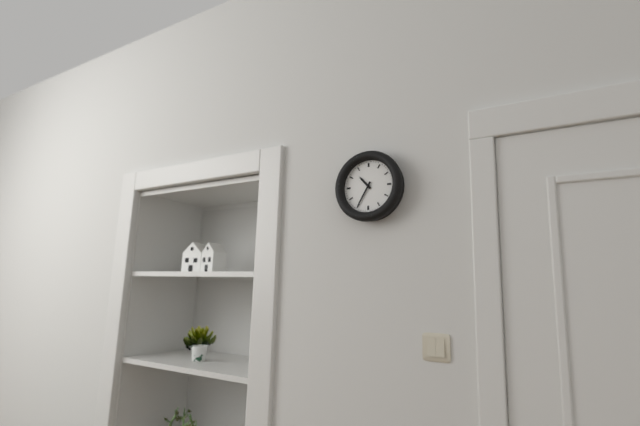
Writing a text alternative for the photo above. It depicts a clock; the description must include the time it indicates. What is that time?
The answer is 10:35
